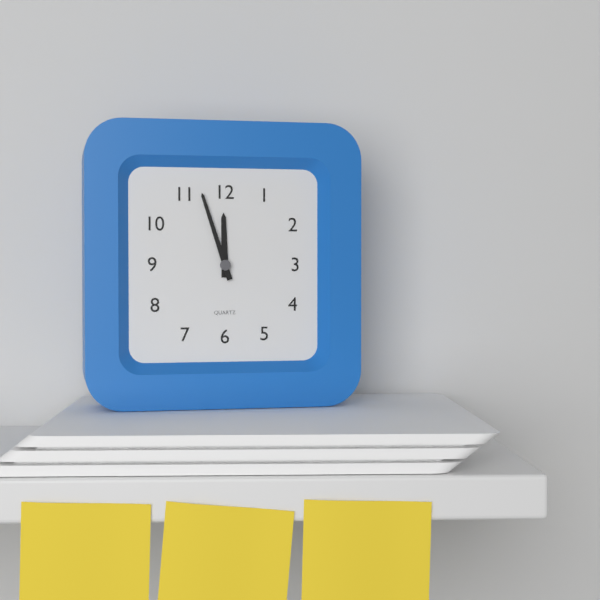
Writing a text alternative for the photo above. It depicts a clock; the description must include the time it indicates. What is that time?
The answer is 11:57
